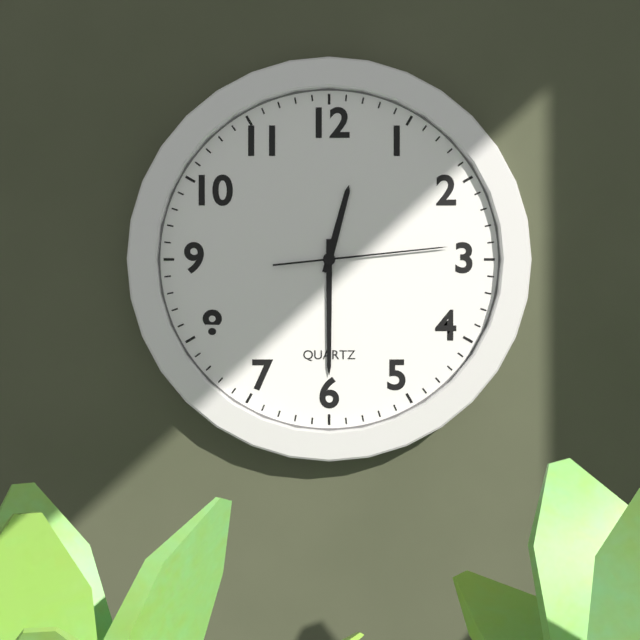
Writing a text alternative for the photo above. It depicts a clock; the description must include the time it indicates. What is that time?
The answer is 12:30:14
